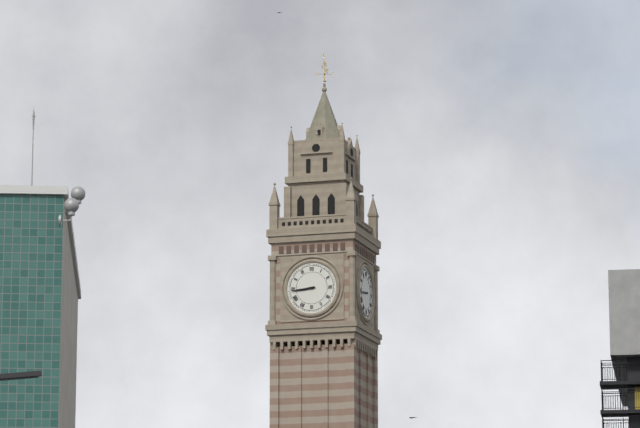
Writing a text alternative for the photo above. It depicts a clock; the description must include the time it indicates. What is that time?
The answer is 8:44
